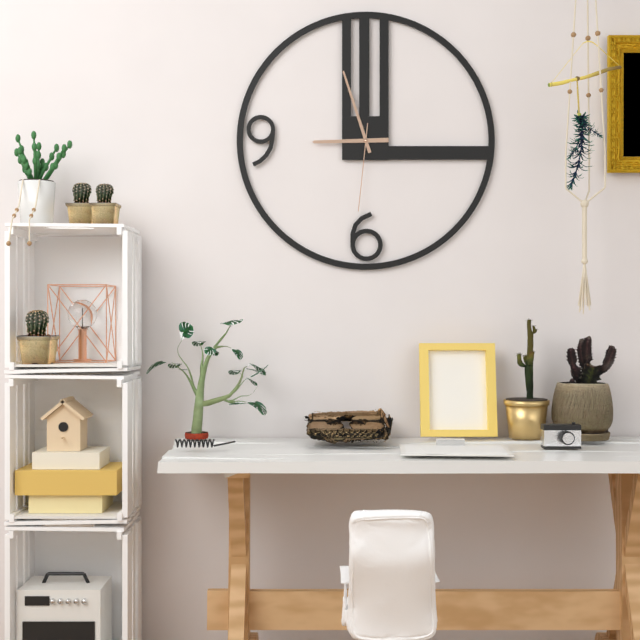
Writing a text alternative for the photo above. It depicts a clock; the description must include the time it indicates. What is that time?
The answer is 8:57:31
